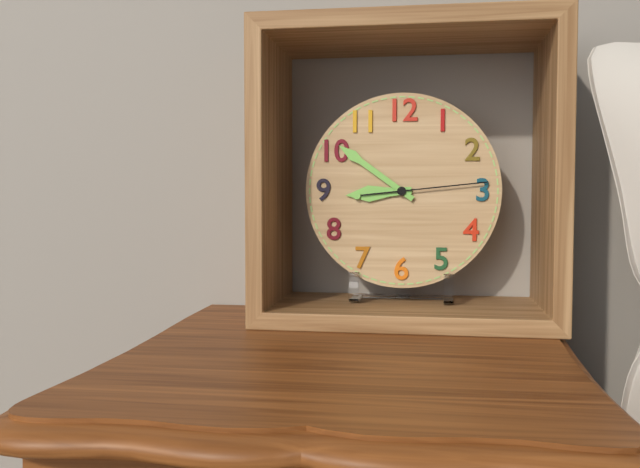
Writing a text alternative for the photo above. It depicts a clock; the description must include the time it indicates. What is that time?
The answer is 8:51:14
